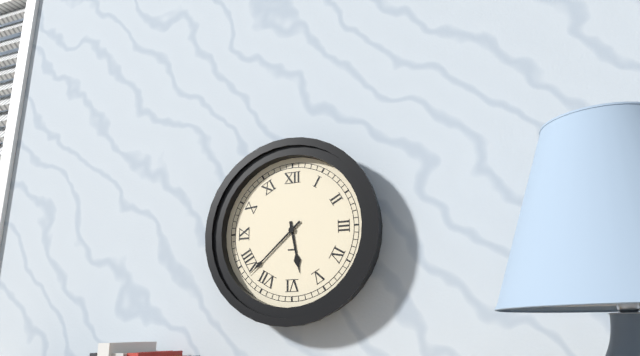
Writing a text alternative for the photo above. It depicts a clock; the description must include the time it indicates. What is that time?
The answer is 5:38
